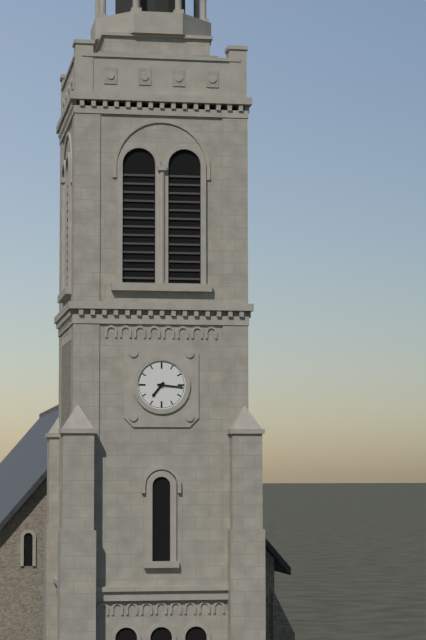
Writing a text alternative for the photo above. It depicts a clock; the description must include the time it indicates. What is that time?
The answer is 7:16
